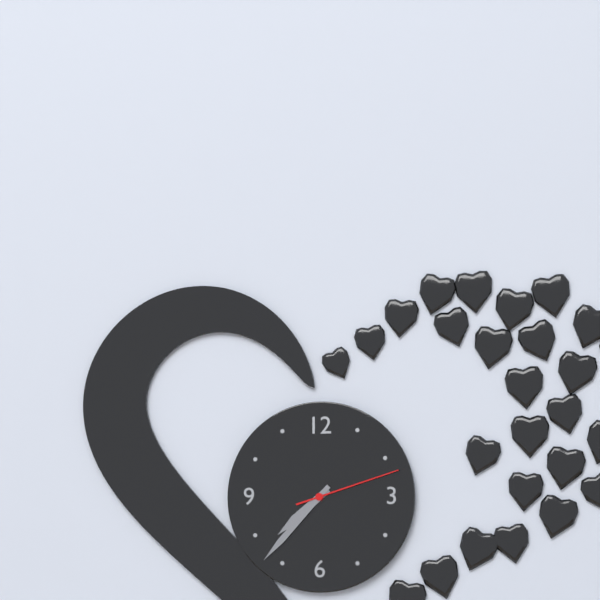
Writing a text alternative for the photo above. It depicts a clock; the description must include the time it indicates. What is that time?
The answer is 7:37:12
